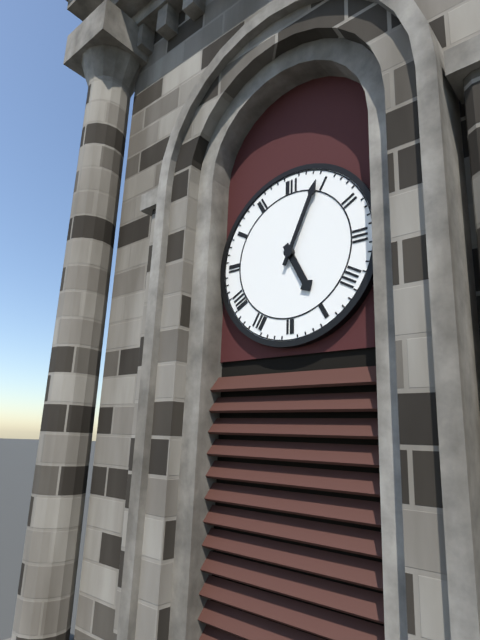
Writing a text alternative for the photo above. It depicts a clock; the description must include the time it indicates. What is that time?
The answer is 5:04
